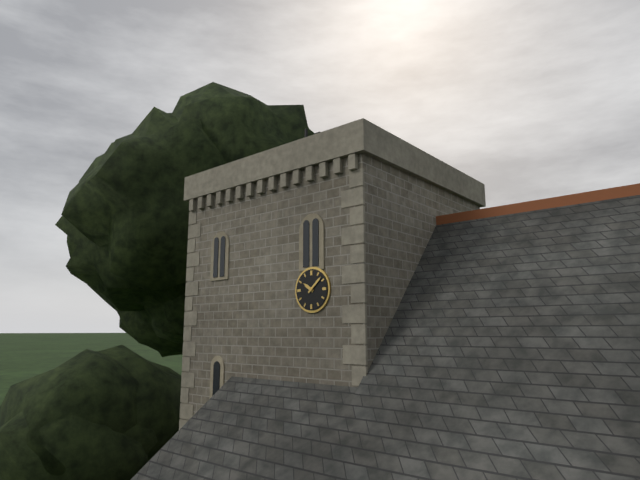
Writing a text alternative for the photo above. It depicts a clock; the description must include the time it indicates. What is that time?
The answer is 10:08
